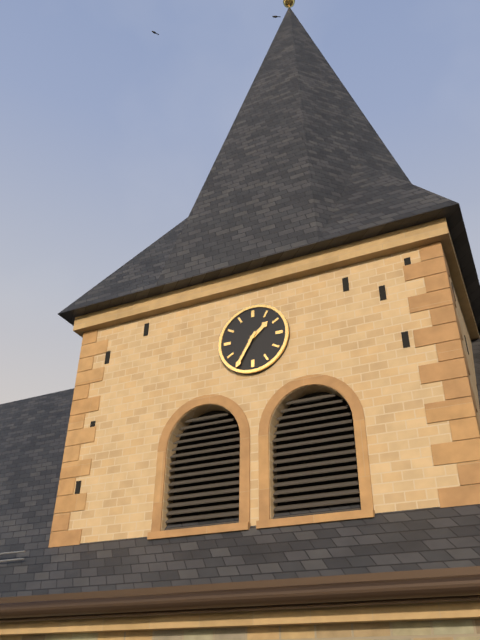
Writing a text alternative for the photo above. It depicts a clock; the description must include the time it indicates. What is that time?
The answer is 1:35
